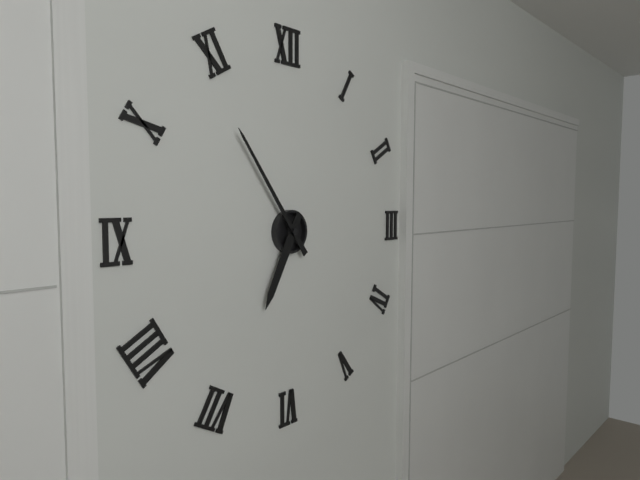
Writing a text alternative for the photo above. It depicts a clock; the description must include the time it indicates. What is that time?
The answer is 6:54
